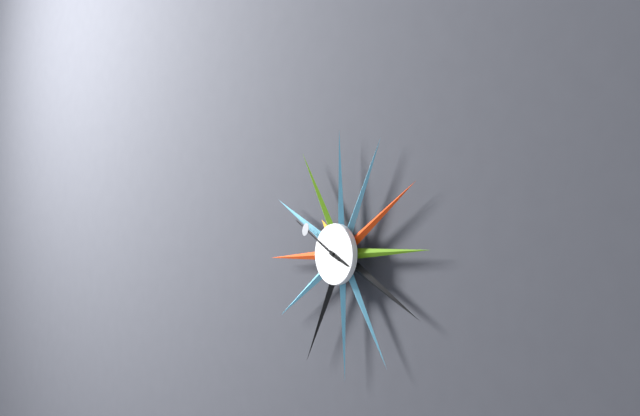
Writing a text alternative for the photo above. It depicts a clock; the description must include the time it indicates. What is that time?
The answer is 3:50
